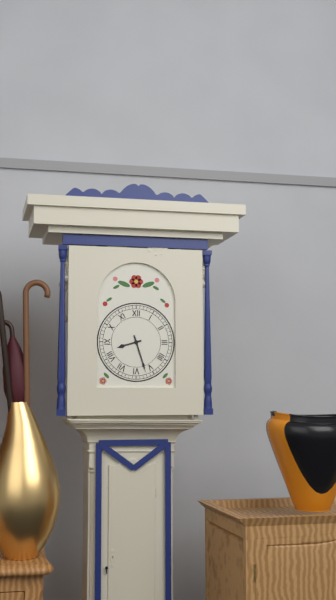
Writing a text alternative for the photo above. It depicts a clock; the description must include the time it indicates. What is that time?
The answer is 8:27
